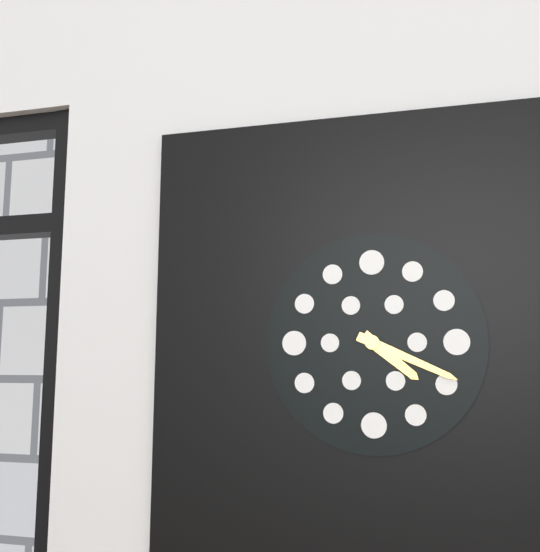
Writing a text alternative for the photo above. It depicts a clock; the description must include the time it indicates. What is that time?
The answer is 4:19
